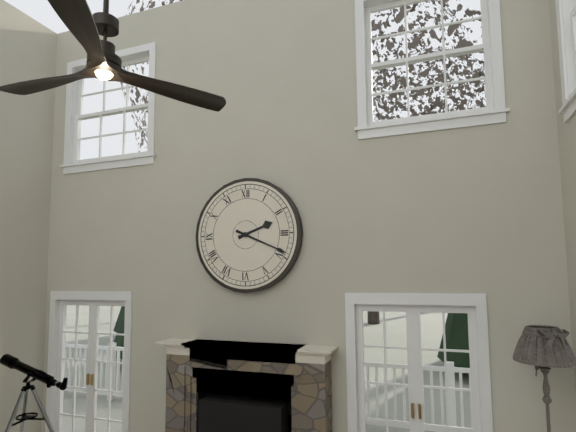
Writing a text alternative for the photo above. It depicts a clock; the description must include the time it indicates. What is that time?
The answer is 2:19
